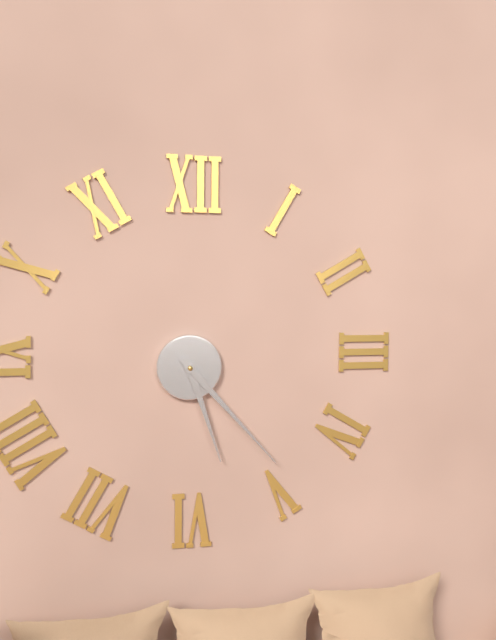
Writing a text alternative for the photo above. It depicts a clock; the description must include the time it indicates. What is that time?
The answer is 5:23
